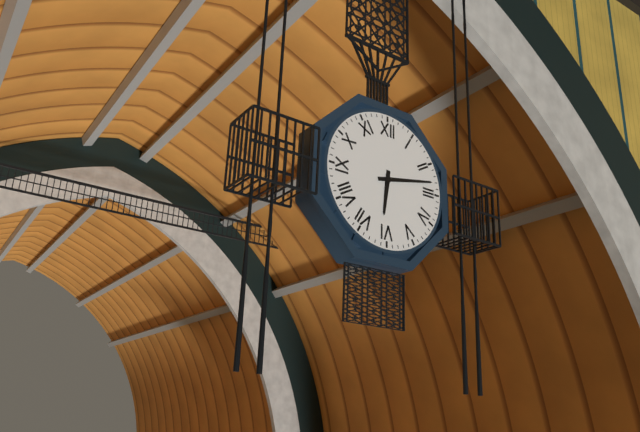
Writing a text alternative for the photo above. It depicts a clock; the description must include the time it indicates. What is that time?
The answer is 6:13
